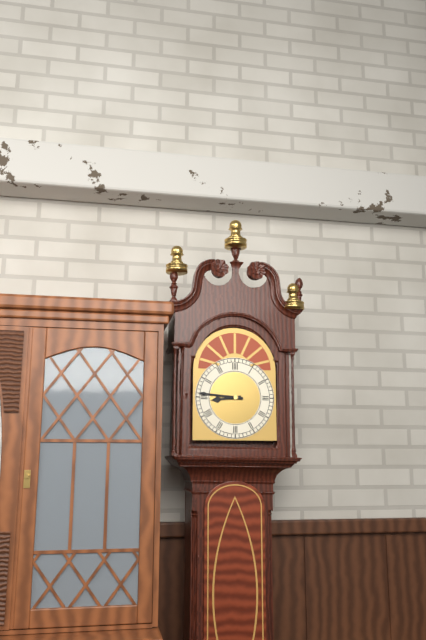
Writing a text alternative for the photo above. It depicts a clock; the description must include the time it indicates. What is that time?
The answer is 8:46
